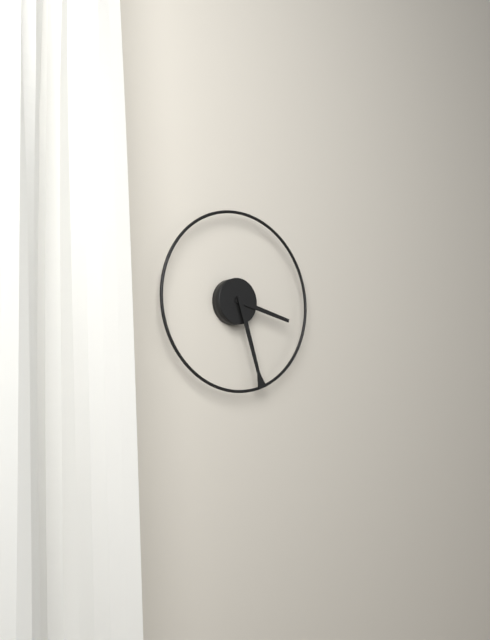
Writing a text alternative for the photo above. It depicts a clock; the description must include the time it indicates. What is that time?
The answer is 3:27
